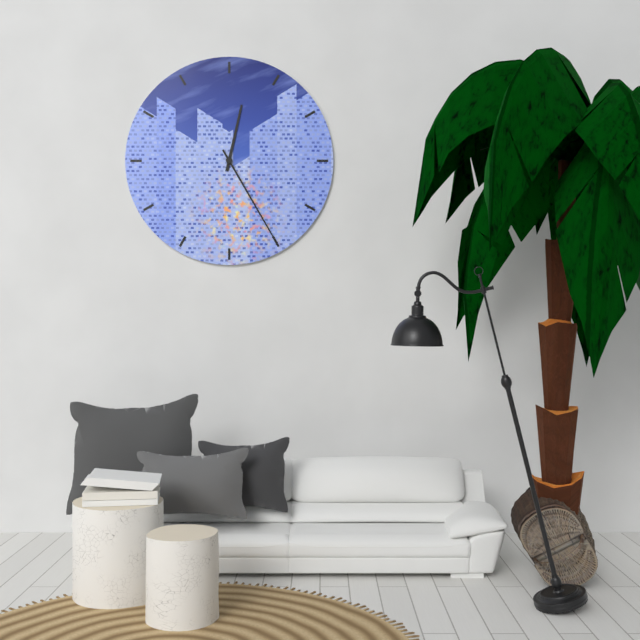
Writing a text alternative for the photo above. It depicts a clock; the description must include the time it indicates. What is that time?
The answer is 12:25
